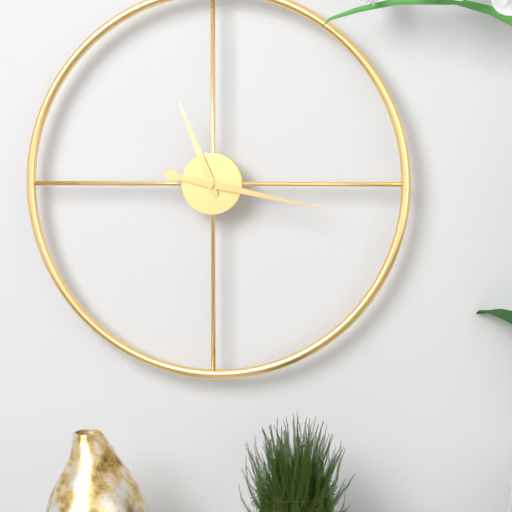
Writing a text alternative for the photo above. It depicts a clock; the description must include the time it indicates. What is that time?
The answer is 11:17
